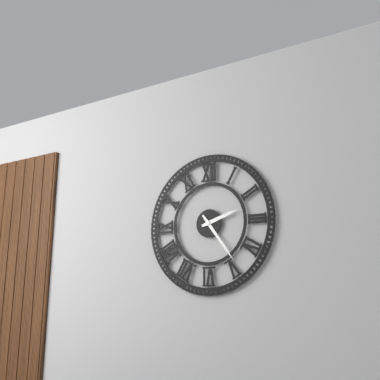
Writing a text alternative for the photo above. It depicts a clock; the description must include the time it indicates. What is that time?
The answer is 2:24
